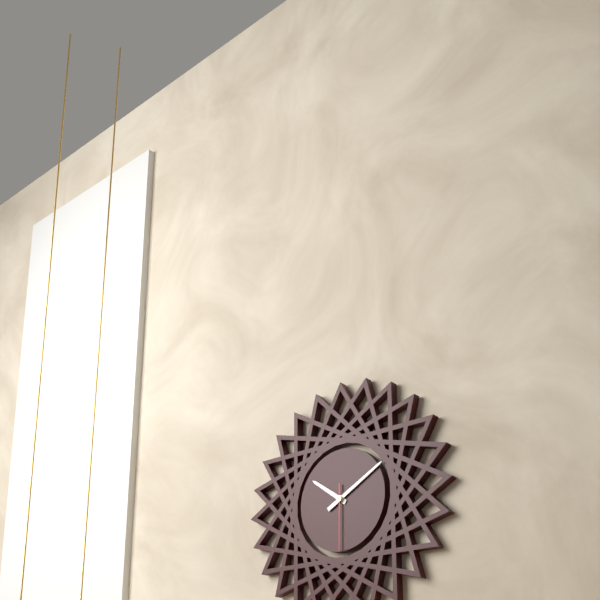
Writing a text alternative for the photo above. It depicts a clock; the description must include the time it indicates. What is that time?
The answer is 10:10:30
